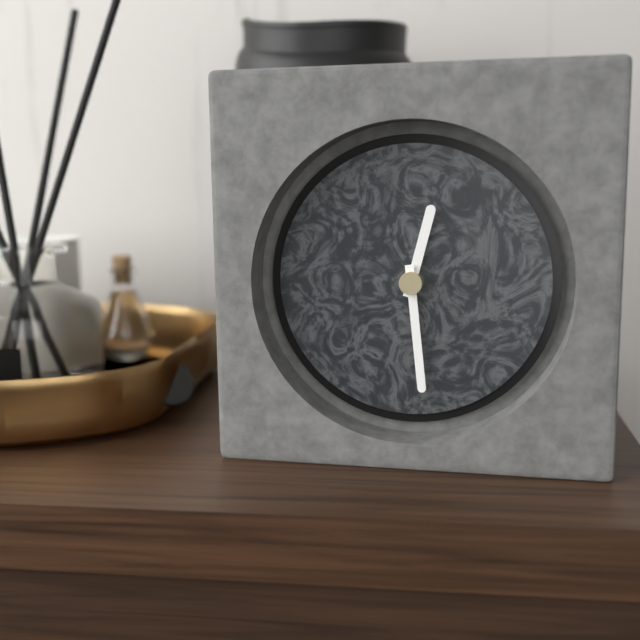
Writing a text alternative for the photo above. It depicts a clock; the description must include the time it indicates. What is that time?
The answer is 12:29
